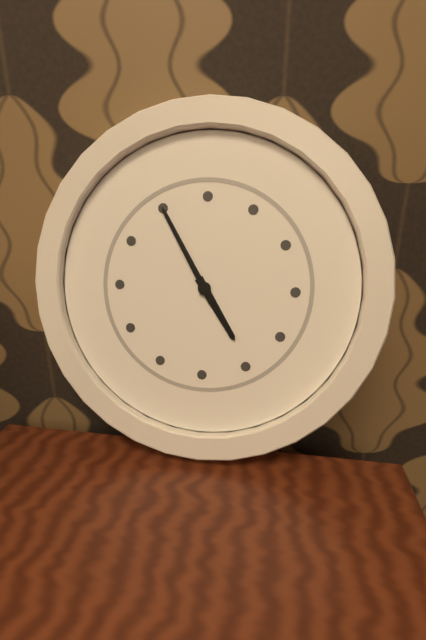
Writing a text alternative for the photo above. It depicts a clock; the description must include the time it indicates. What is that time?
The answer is 4:55
